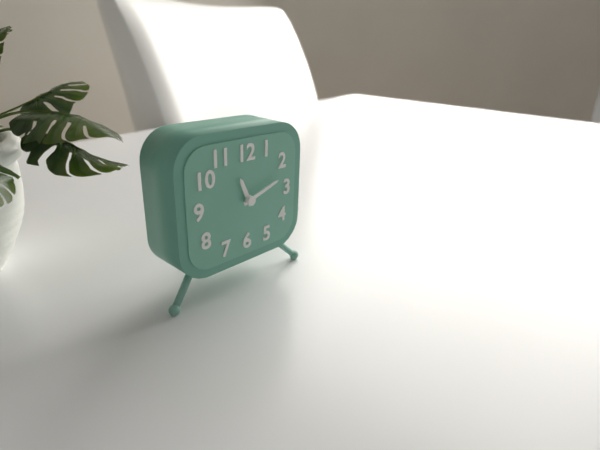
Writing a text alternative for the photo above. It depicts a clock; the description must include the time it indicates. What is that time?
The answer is 11:12
